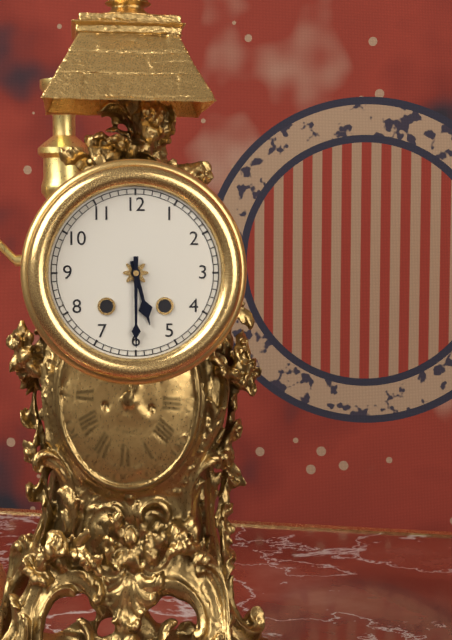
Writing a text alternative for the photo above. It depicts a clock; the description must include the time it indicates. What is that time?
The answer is 5:30
